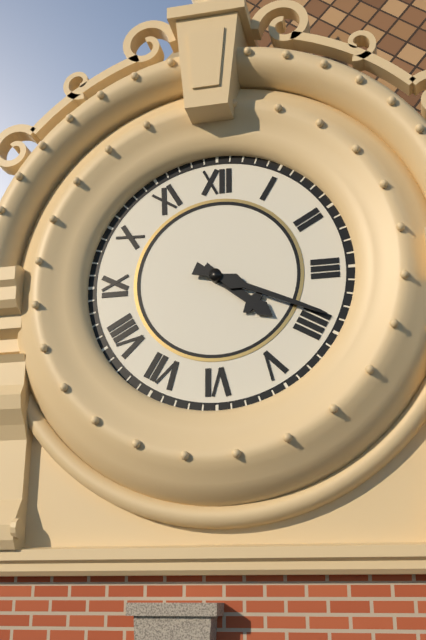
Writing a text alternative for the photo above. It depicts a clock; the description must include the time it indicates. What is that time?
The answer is 4:19
